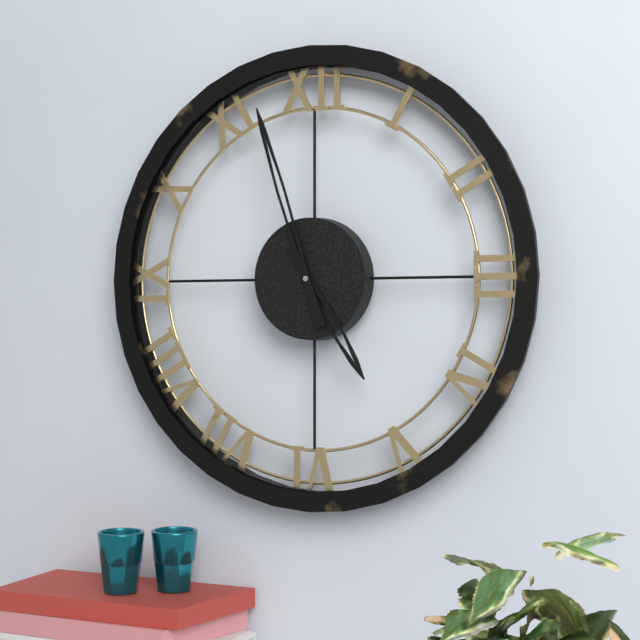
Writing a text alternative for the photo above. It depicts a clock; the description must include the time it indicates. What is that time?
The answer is 4:57
